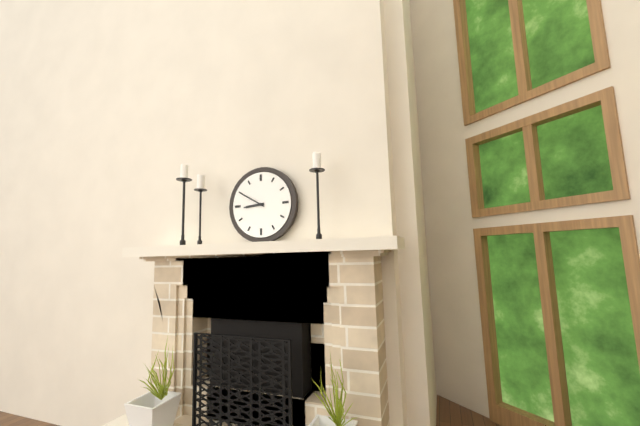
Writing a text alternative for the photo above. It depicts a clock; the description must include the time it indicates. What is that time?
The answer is 8:50
